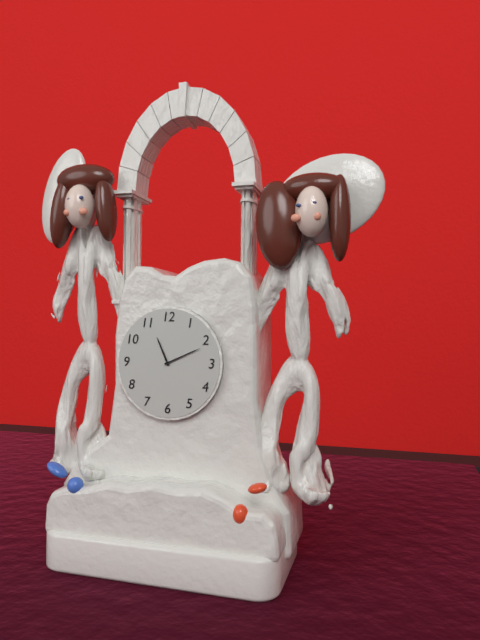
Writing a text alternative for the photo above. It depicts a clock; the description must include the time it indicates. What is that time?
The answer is 11:11
